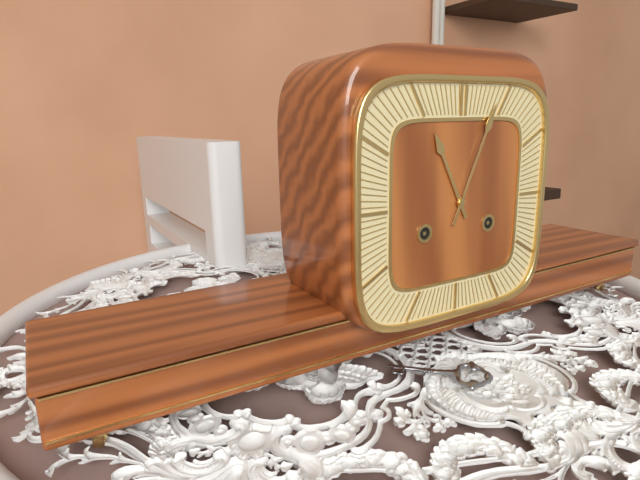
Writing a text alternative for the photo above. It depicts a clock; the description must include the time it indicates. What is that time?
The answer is 11:04
